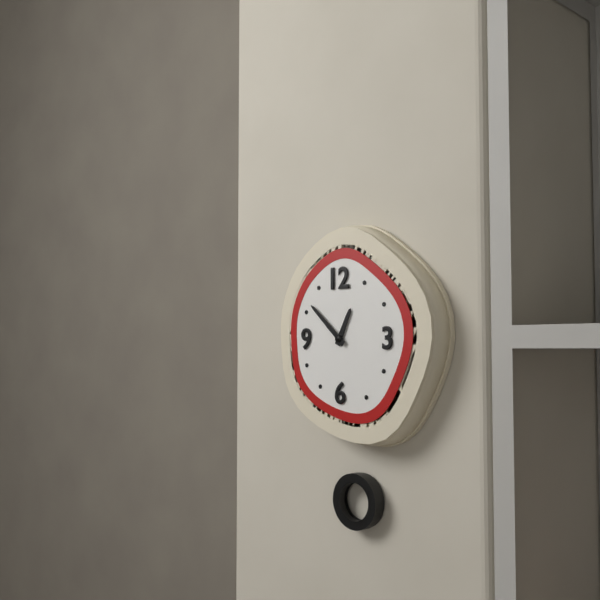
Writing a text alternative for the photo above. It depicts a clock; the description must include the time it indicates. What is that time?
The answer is 12:52
